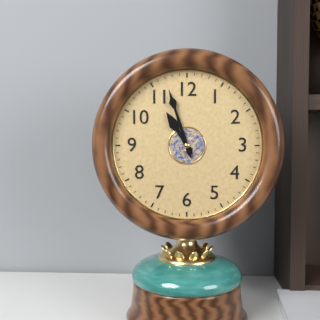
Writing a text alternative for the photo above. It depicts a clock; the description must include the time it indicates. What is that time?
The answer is 10:57
